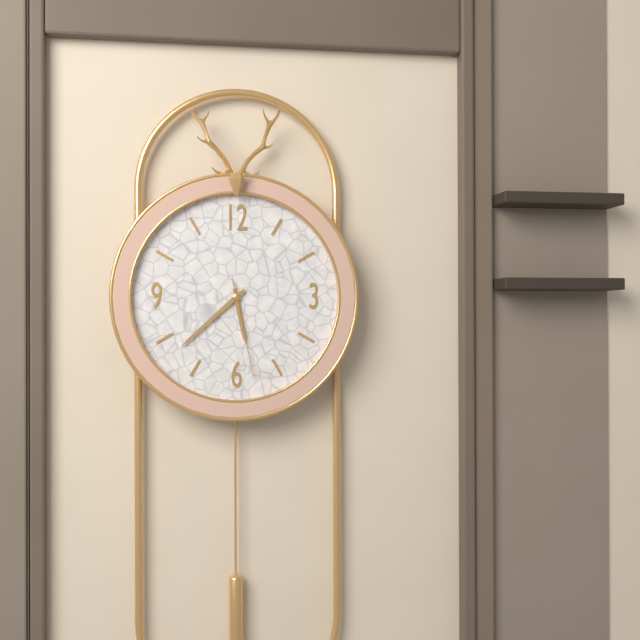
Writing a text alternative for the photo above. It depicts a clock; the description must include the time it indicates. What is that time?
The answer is 5:38:28
